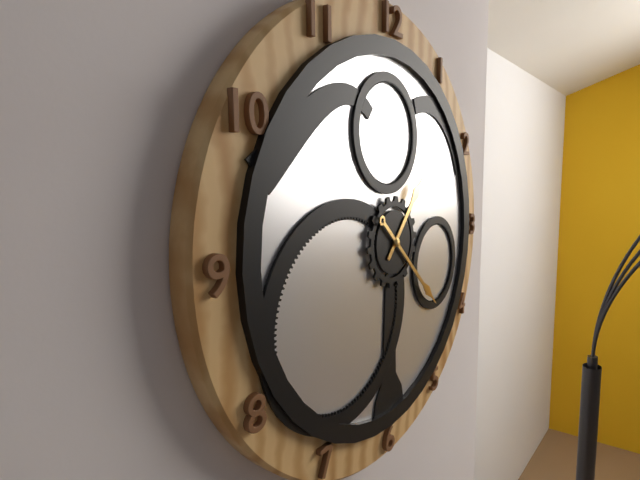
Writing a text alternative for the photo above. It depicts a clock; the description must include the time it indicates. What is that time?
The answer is 1:22
